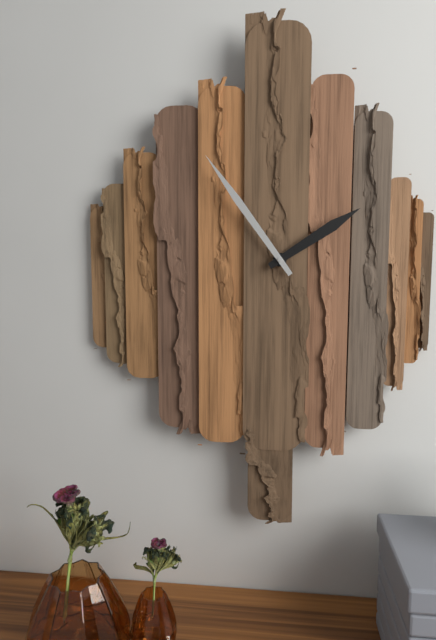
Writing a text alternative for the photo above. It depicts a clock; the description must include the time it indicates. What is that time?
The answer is 1:54
